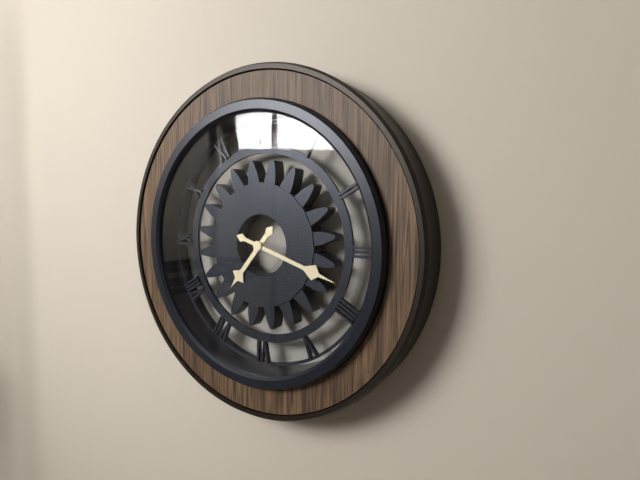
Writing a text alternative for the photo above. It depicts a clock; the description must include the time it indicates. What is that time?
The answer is 7:18
